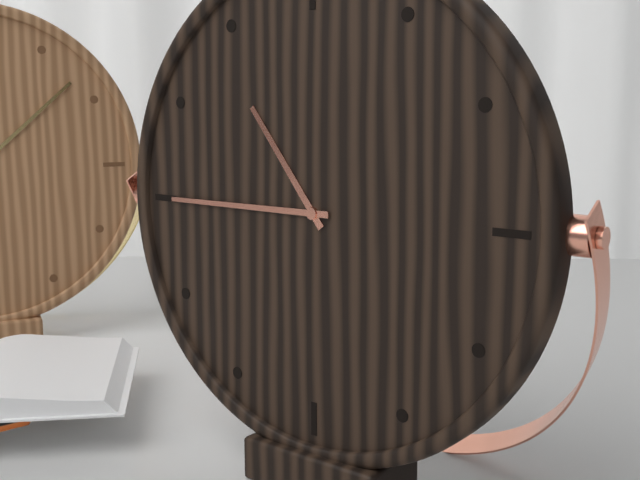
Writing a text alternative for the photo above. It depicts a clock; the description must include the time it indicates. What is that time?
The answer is 10:45
